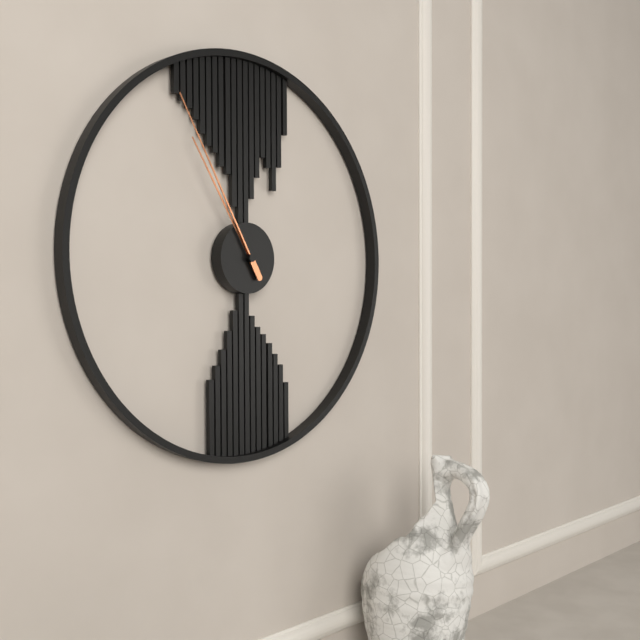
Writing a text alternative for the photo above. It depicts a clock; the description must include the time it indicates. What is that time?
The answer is 10:55
